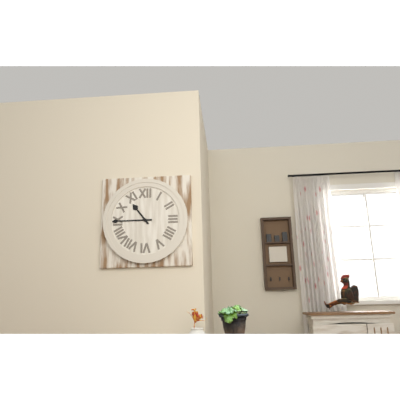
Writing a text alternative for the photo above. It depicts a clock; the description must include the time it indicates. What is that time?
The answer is 10:45
